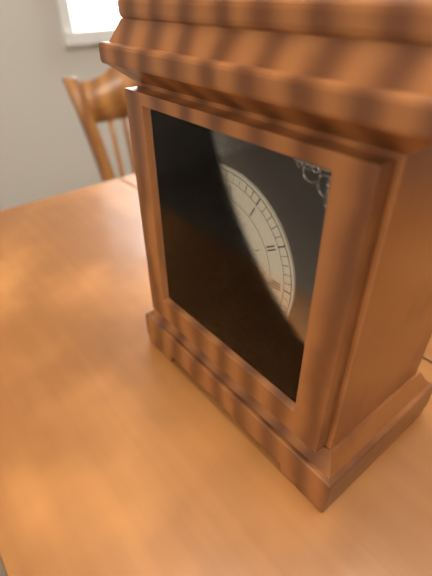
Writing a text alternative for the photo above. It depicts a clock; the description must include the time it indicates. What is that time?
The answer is 11:42:15
